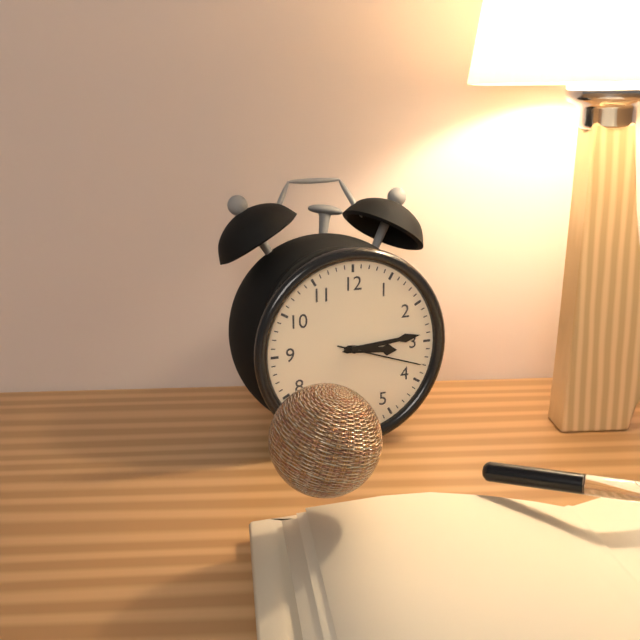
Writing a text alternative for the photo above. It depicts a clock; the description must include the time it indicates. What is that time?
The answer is 3:14:18
